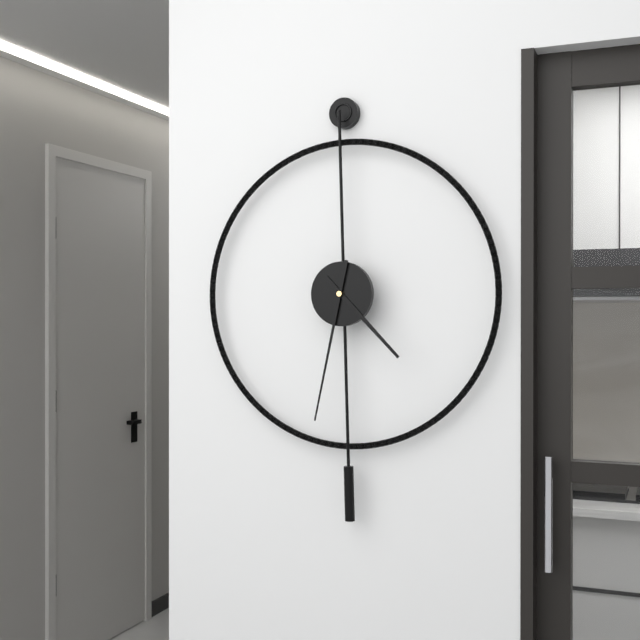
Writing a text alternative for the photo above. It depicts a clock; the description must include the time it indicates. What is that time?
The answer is 4:32
